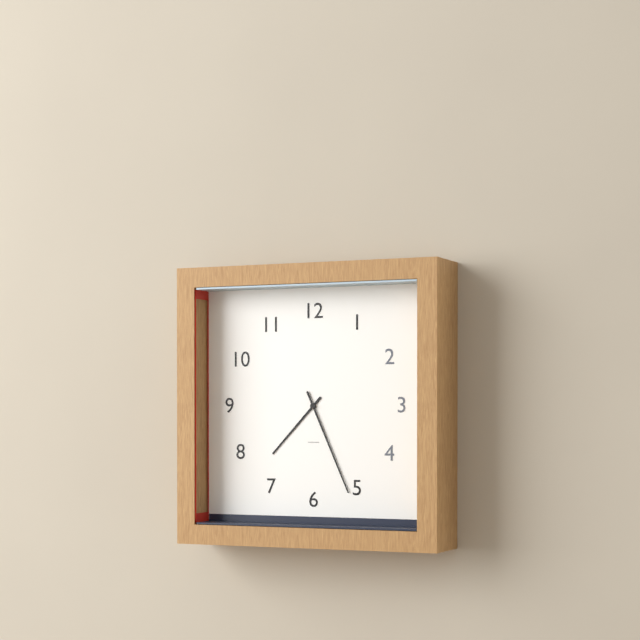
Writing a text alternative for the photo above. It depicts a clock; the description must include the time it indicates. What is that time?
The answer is 7:26
